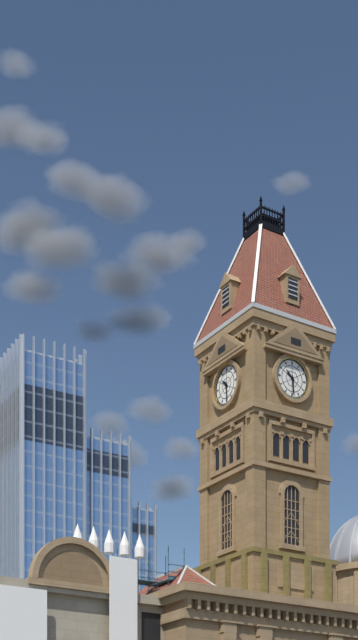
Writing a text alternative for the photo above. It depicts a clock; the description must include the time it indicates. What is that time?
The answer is 10:29
